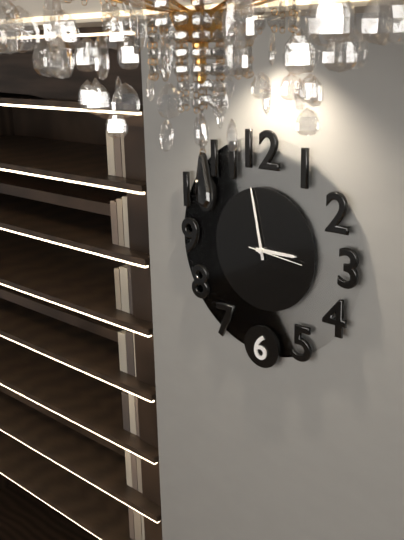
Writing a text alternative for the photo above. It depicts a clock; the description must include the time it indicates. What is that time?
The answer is 2:58
